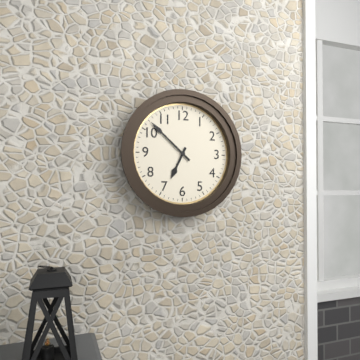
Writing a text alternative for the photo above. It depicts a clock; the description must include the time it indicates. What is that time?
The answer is 6:52
